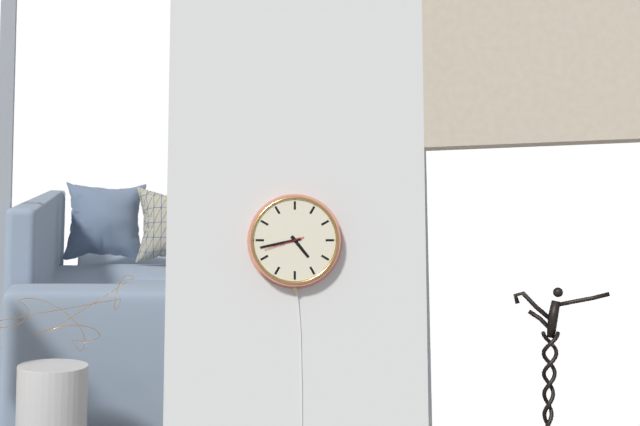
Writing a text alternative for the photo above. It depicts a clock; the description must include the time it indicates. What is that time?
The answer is 4:43
